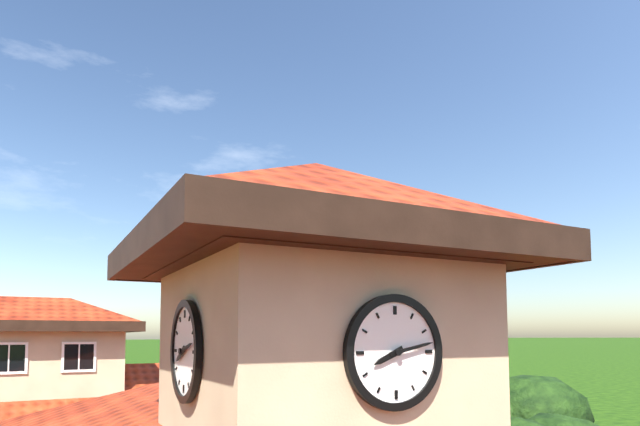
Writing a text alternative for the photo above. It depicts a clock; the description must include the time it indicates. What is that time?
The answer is 8:13
